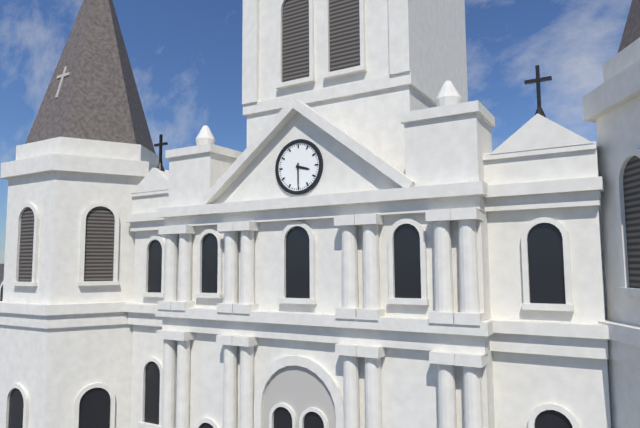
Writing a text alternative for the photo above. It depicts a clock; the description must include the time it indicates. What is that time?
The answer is 3:30
